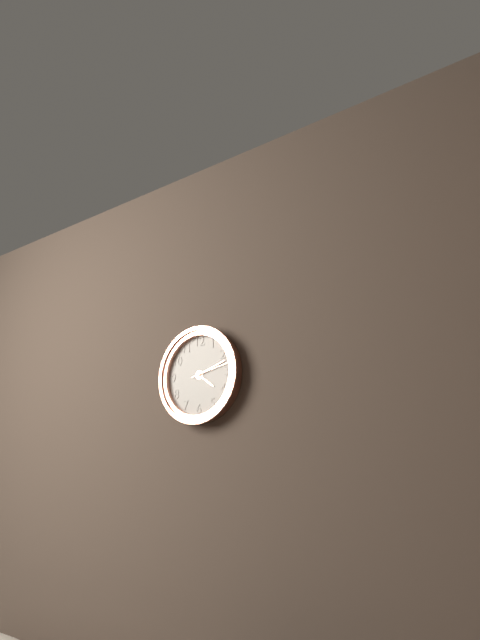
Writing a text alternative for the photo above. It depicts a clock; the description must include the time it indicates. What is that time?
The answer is 4:12
